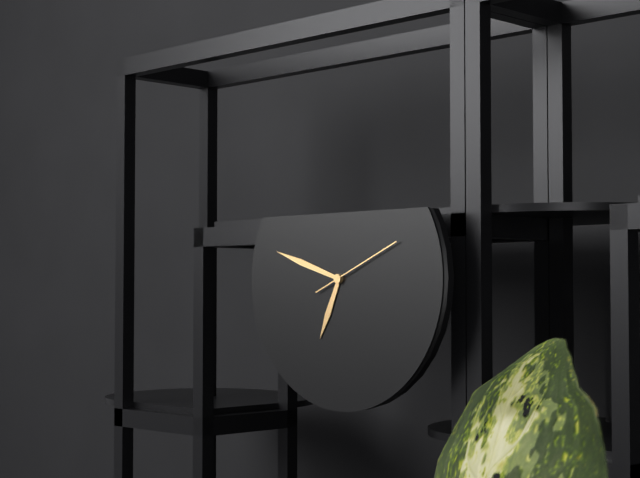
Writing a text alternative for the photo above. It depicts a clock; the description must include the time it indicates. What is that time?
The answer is 6:48:11
